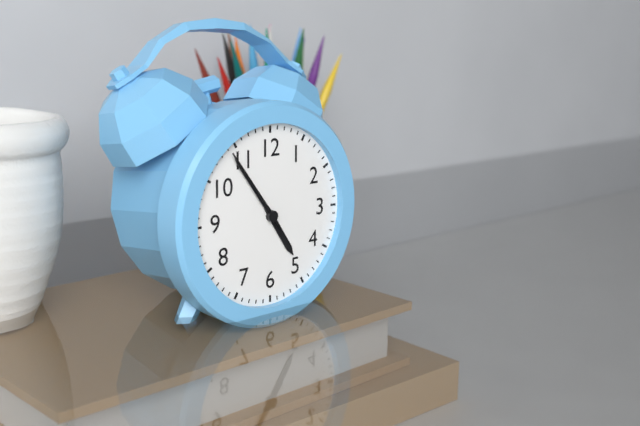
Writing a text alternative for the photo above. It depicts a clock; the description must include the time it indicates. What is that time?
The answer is 4:54:54
